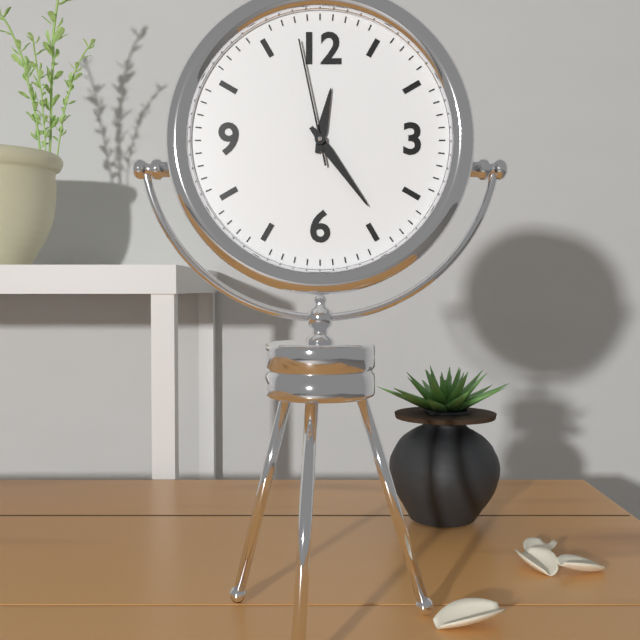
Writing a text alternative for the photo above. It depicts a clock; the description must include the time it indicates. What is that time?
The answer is 12:24:58
